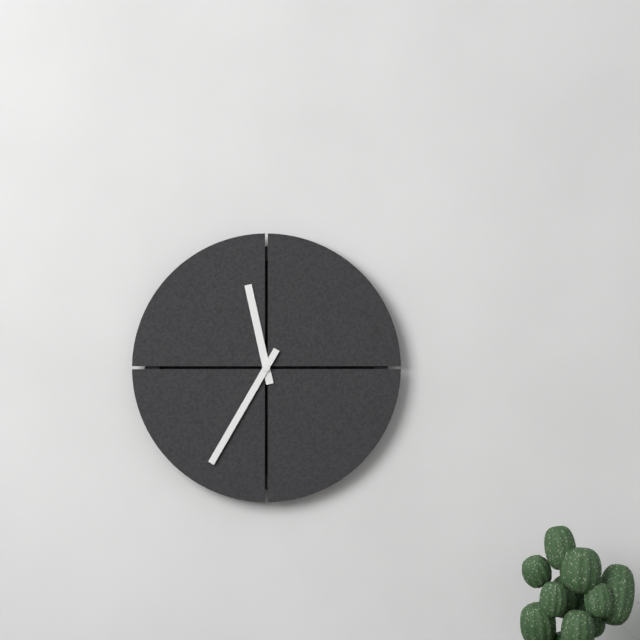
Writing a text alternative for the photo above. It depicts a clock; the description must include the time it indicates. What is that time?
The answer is 11:35
